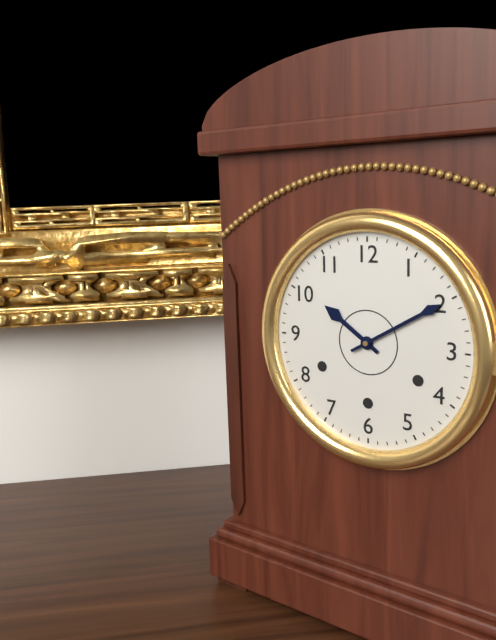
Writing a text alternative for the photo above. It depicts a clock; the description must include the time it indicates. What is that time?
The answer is 10:10
